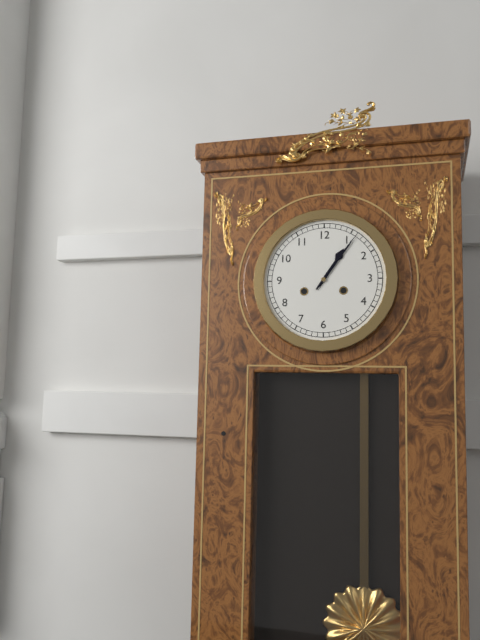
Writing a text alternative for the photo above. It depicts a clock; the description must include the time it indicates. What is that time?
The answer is 1:06
